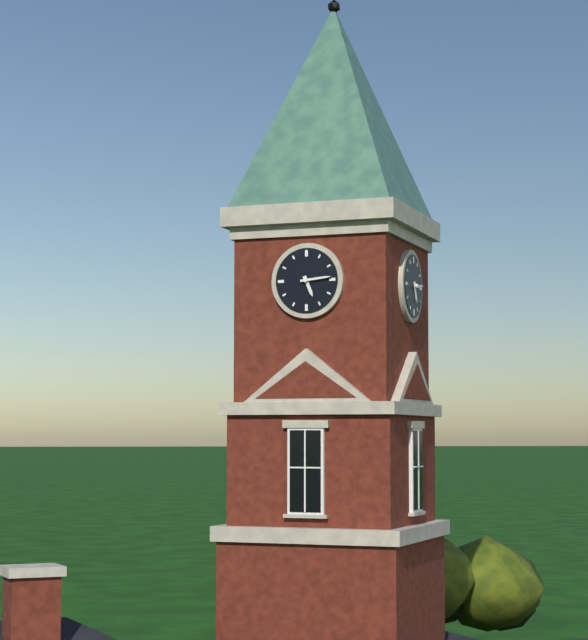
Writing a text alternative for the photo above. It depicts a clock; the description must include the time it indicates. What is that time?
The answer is 5:14
